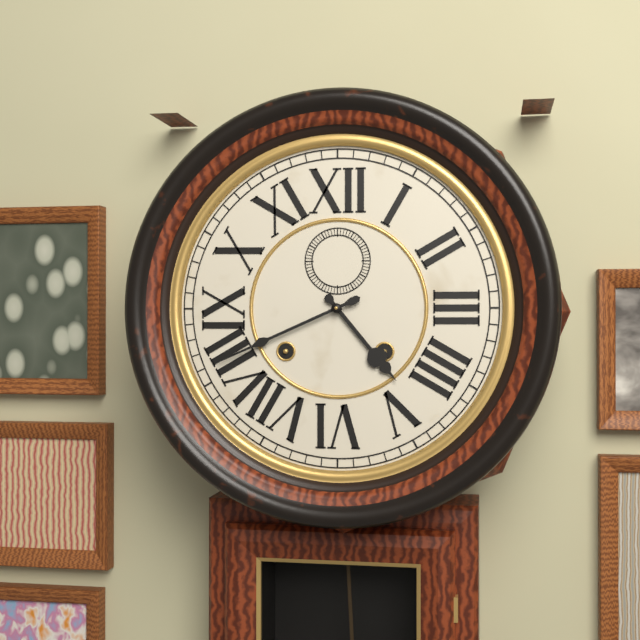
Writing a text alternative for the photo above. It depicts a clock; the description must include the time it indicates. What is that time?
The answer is 4:41
